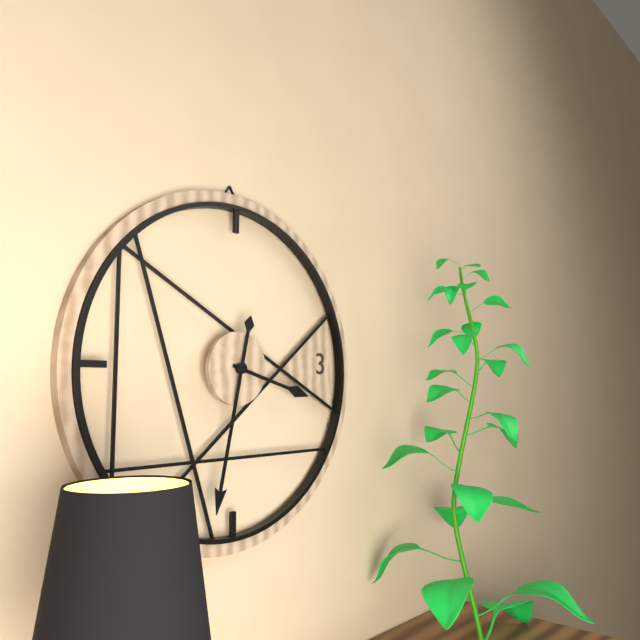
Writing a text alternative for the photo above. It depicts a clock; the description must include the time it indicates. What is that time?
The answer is 3:32
